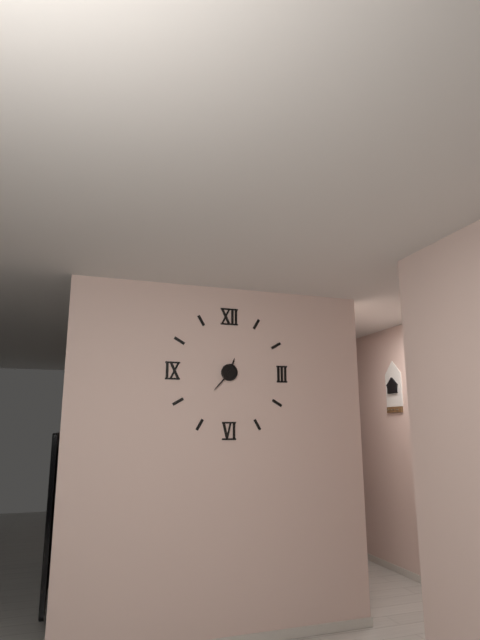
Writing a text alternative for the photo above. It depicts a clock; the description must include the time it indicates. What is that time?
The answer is 12:37
